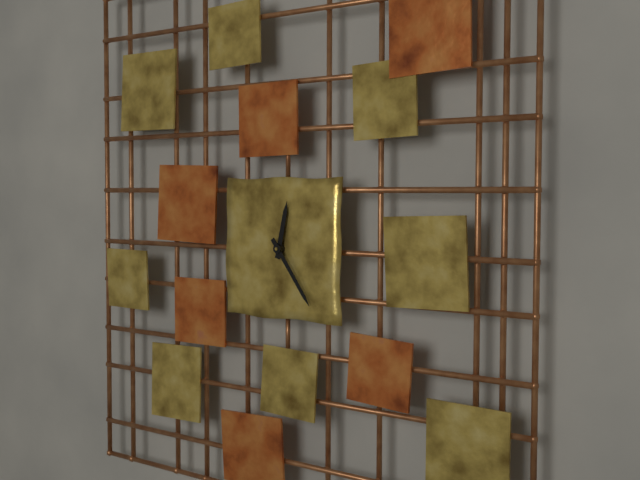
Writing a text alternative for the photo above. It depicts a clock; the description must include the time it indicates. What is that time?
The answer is 12:24
